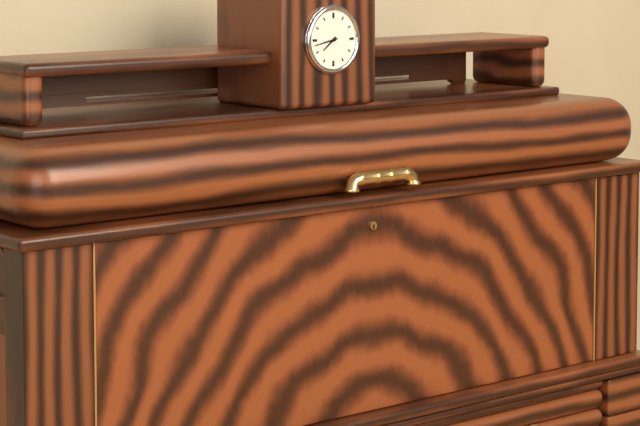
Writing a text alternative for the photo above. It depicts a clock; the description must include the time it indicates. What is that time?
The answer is 7:43
